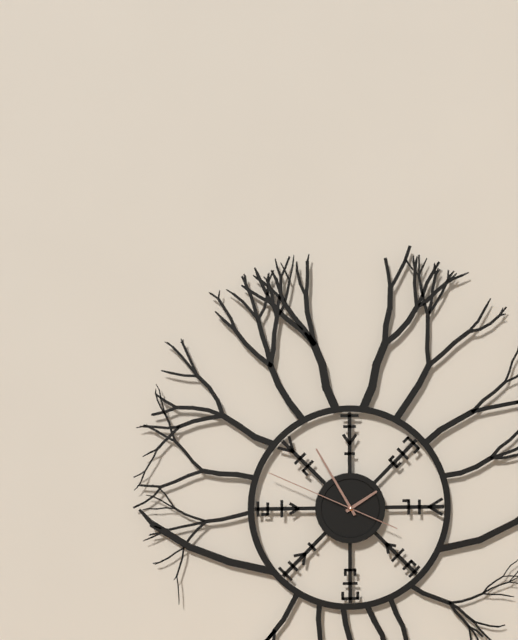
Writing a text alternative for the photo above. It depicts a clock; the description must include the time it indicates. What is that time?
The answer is 1:55:49
